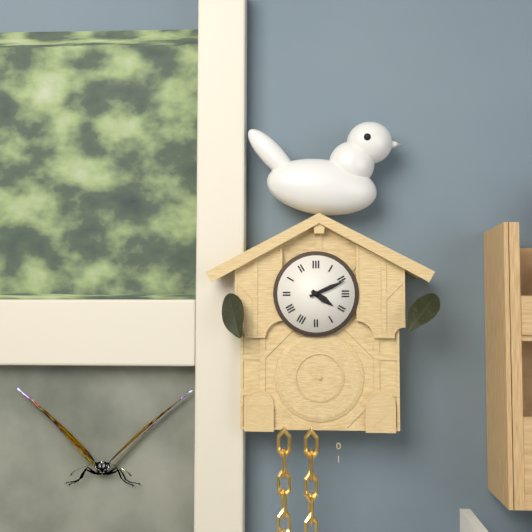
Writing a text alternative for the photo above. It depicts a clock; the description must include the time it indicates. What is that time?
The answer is 4:11
